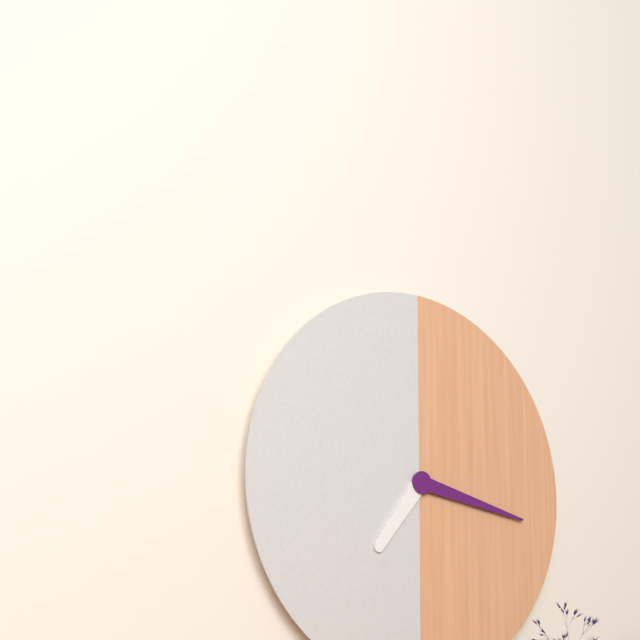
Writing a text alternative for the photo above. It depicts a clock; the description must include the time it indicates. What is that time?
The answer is 7:17
